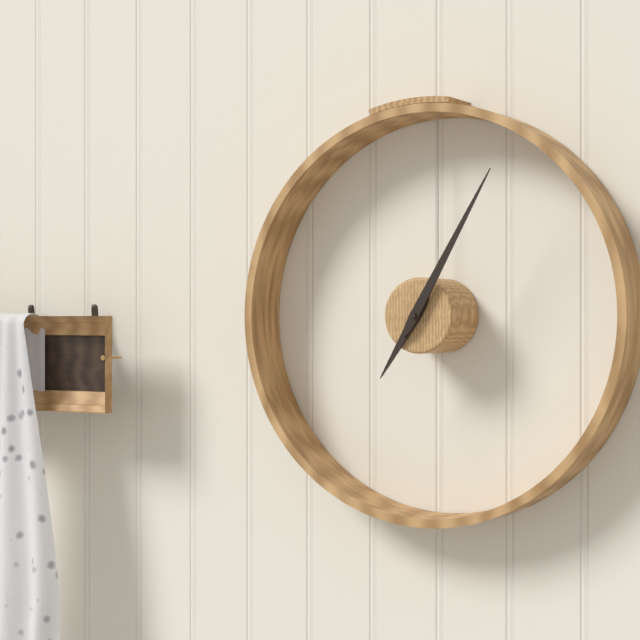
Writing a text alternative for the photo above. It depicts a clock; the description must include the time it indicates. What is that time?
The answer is 7:05
